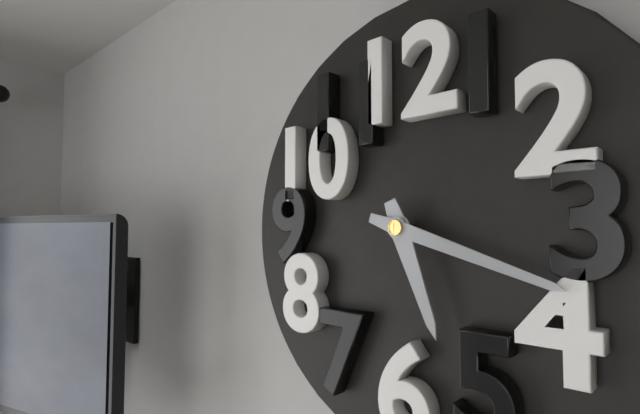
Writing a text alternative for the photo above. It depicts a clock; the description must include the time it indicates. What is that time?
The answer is 5:18
